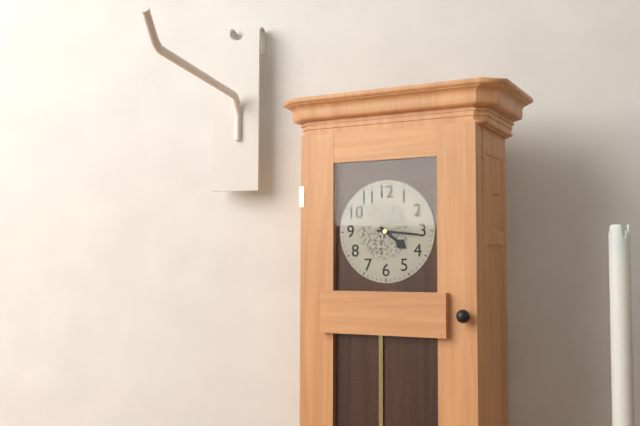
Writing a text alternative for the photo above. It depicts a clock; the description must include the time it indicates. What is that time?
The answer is 4:16
